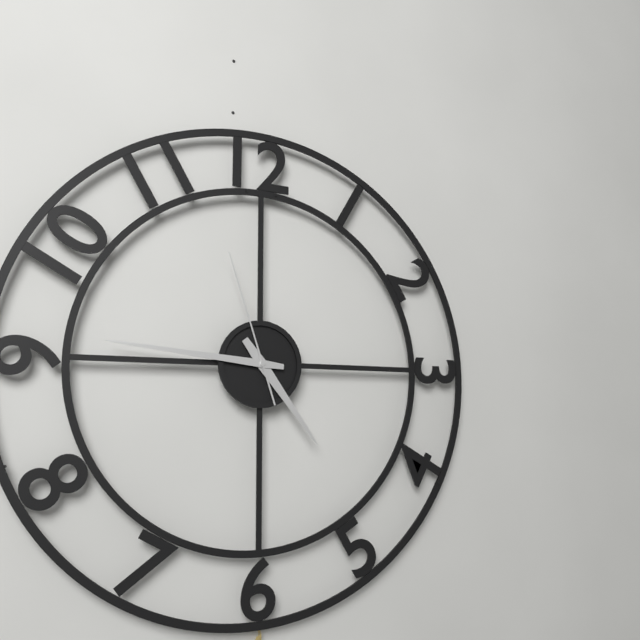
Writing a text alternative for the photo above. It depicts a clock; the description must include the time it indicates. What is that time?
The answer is 4:46:57
